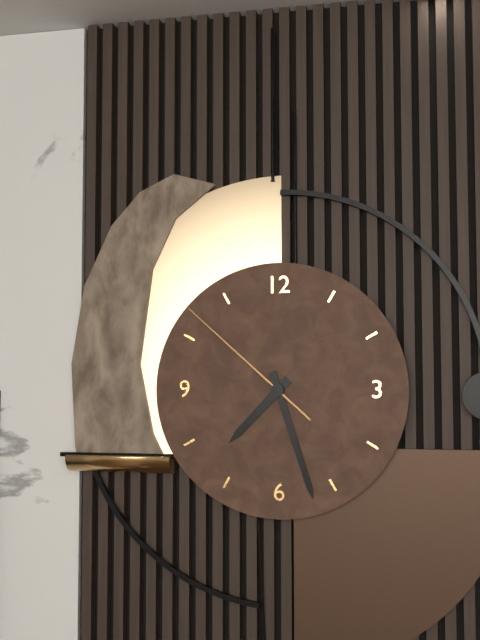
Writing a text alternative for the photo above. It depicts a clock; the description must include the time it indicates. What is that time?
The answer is 7:27:52
